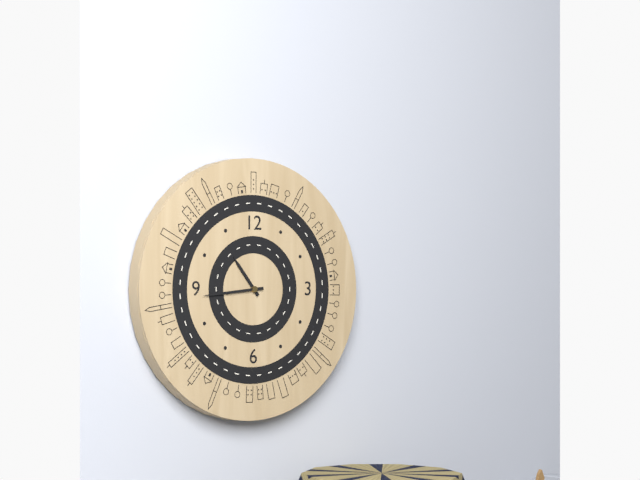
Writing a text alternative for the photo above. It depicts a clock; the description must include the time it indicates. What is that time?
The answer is 10:44
